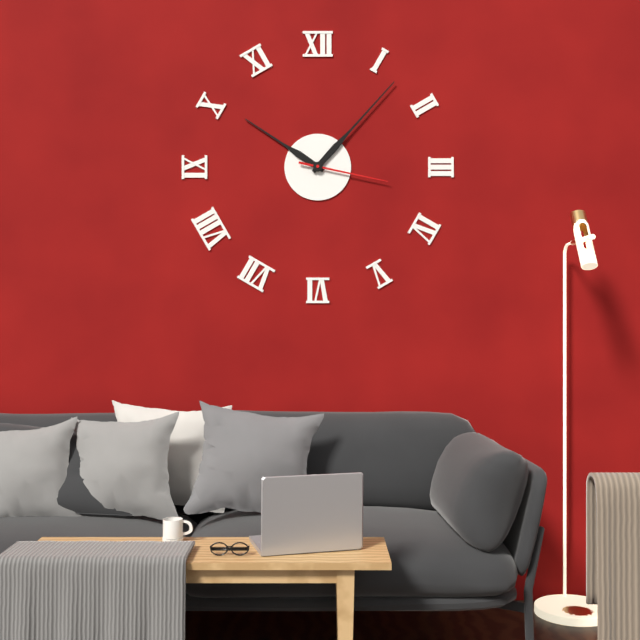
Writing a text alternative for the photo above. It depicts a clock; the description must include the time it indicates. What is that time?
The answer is 10:07:17
